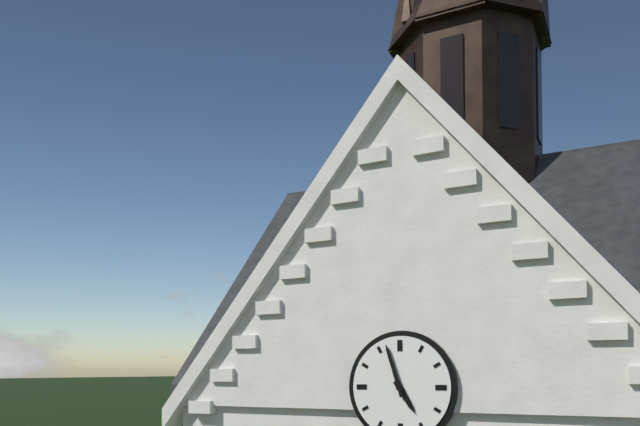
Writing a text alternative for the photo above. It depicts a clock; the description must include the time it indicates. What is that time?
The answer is 4:57
